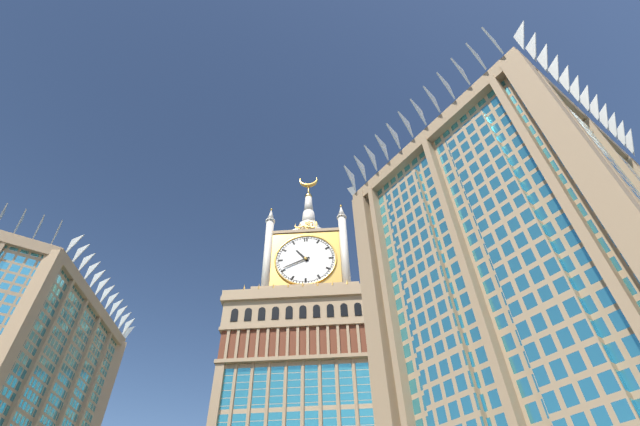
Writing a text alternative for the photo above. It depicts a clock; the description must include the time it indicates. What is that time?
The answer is 10:41
